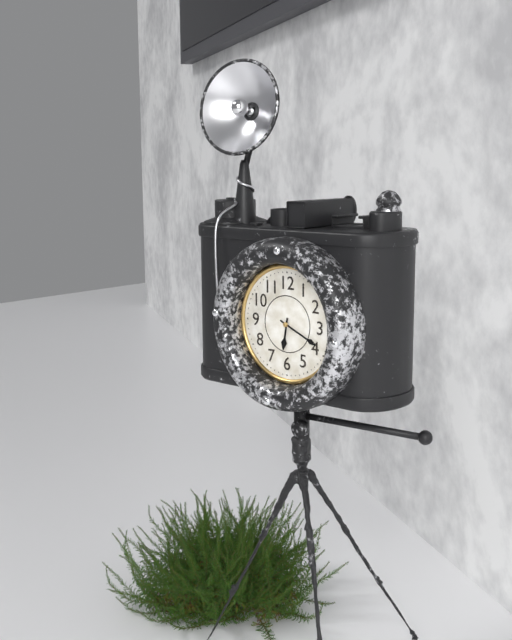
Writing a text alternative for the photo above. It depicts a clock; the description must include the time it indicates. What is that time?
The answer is 6:19
